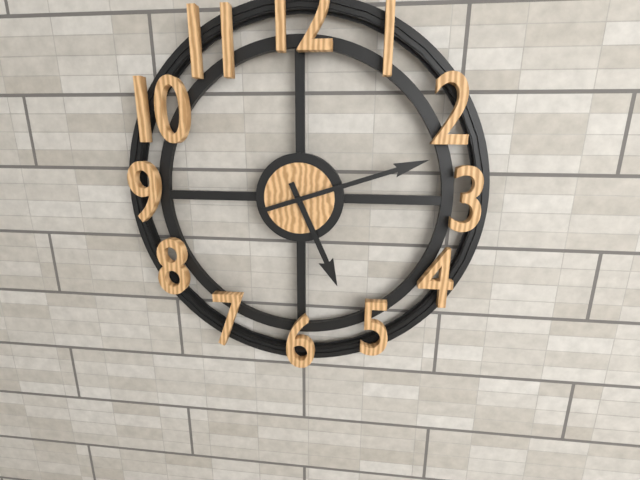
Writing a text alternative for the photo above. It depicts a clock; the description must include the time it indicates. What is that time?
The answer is 5:12
